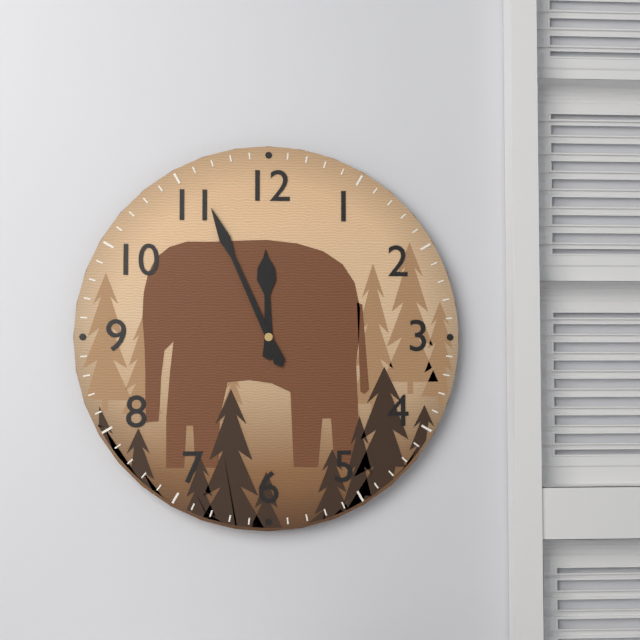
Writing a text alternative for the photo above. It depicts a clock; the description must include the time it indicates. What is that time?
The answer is 11:56
